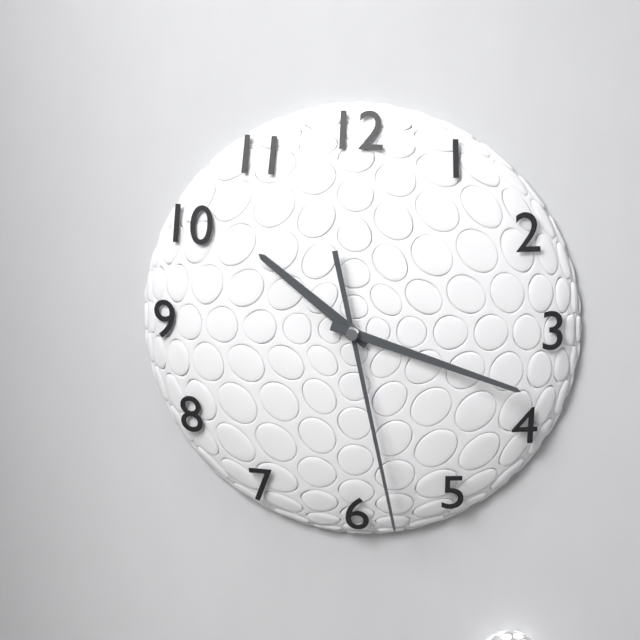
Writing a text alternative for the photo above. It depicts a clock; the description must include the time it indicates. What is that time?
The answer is 10:18:28
